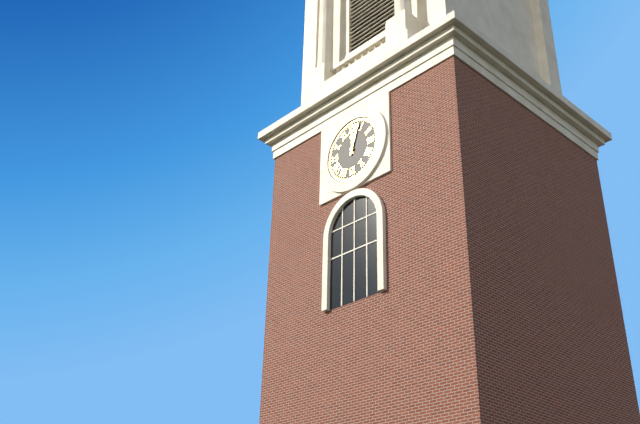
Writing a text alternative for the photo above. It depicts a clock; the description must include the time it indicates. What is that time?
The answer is 12:03
